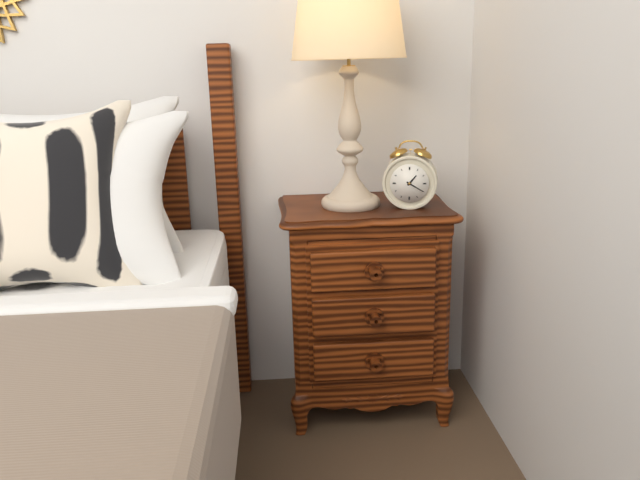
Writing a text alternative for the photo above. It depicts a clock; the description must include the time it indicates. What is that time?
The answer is 1:20
